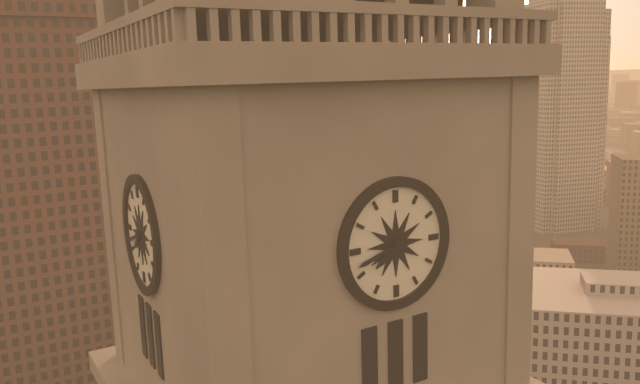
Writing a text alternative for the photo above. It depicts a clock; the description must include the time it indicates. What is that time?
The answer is 7:42
